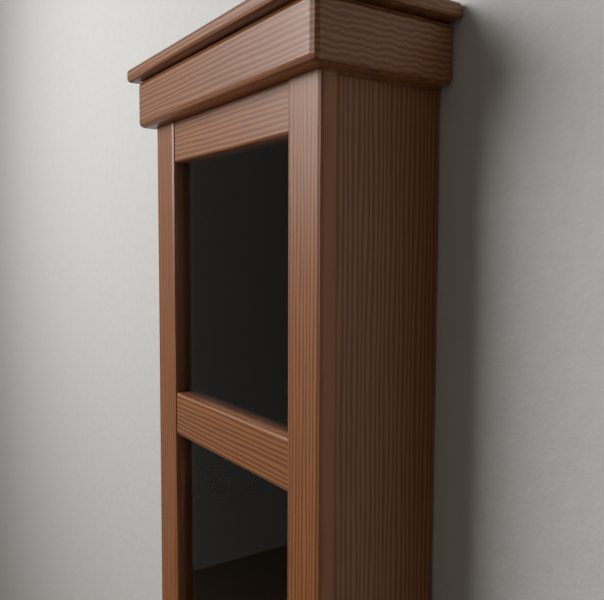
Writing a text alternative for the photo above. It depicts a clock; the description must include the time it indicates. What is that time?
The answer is 7:45
